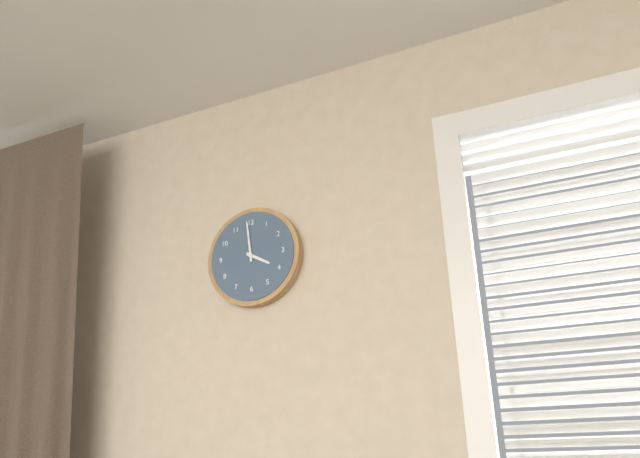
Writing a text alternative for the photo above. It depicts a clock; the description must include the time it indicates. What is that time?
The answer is 3:59
